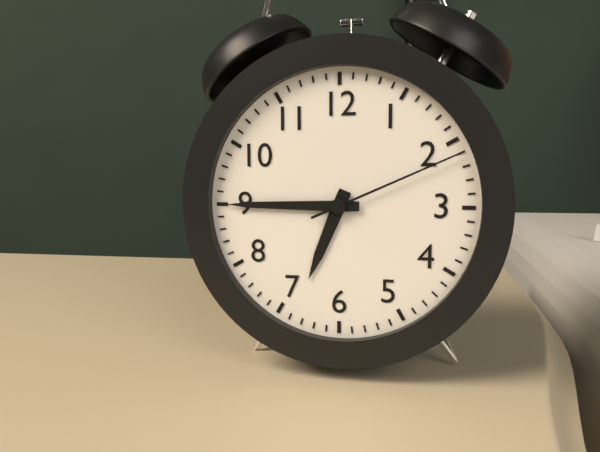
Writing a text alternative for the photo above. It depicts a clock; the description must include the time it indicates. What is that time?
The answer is 6:45:11
